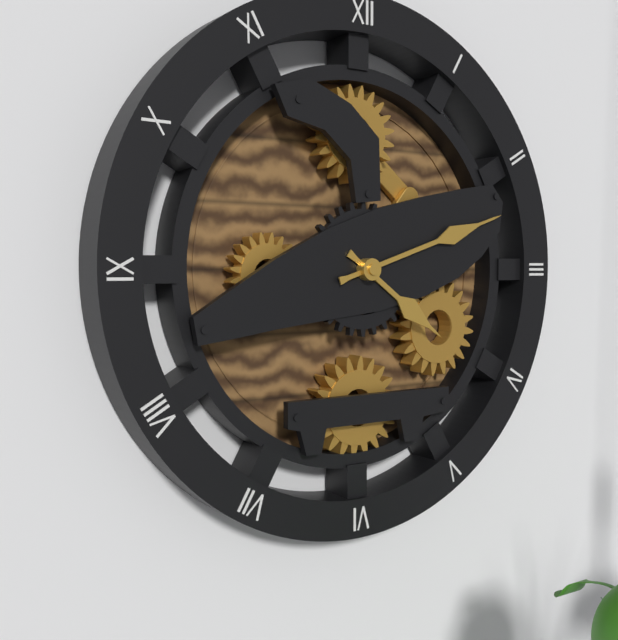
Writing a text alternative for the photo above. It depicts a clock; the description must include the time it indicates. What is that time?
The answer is 4:12
